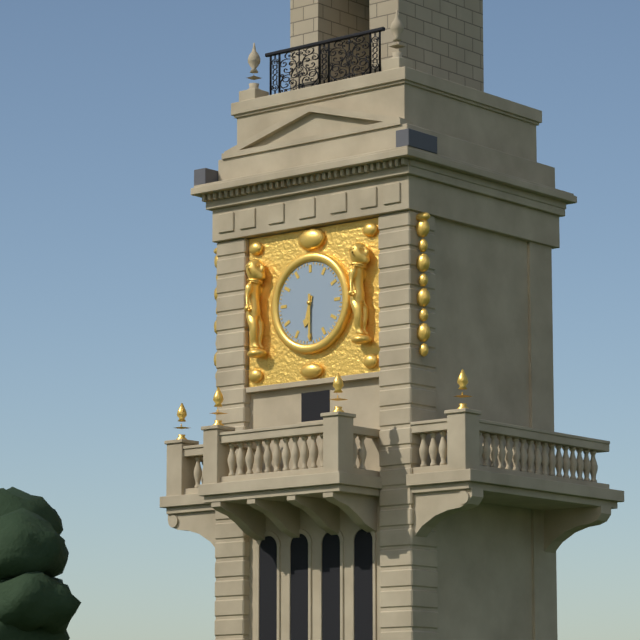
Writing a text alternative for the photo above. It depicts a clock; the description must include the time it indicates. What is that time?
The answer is 6:30
